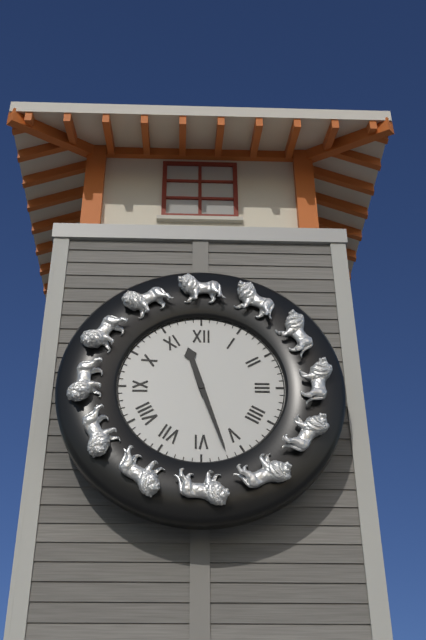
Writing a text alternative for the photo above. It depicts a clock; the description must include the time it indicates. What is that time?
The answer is 11:27
